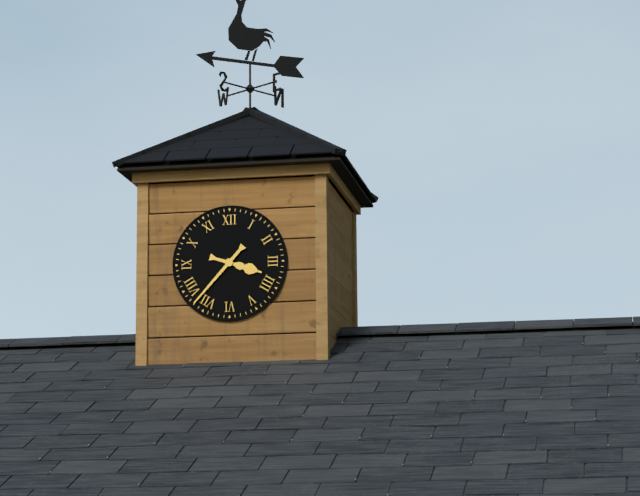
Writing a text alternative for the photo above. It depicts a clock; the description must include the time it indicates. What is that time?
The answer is 3:37
